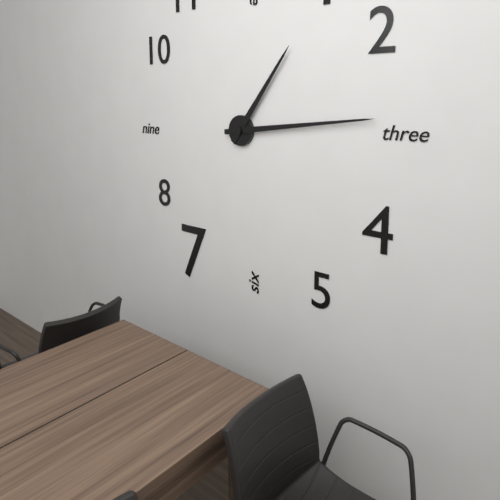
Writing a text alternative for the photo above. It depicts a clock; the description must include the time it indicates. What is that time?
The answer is 1:14
